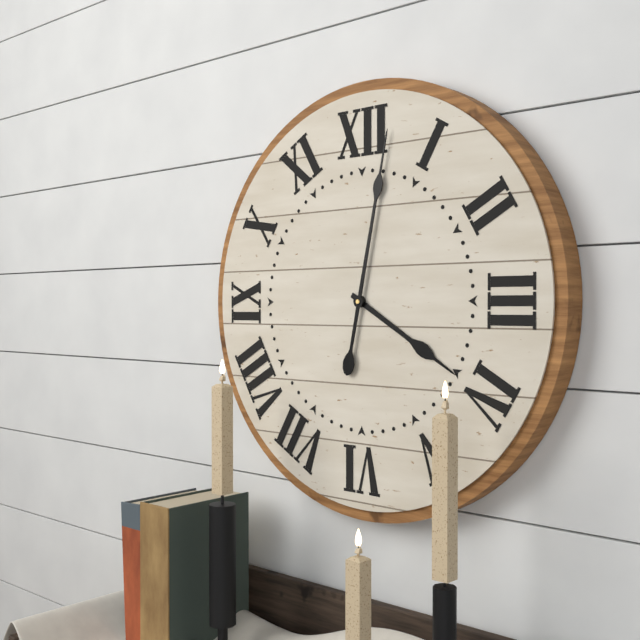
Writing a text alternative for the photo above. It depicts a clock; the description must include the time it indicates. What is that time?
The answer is 4:02
